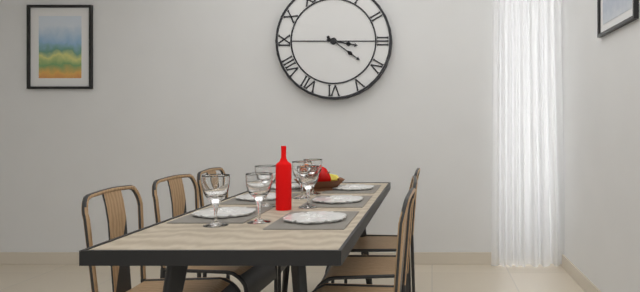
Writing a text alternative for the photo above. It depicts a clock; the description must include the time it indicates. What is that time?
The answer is 3:21
